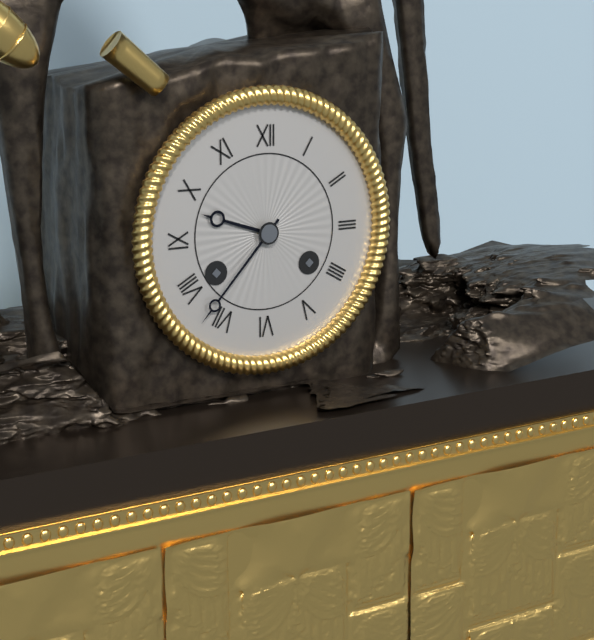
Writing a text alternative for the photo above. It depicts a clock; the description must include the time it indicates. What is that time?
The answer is 9:37
